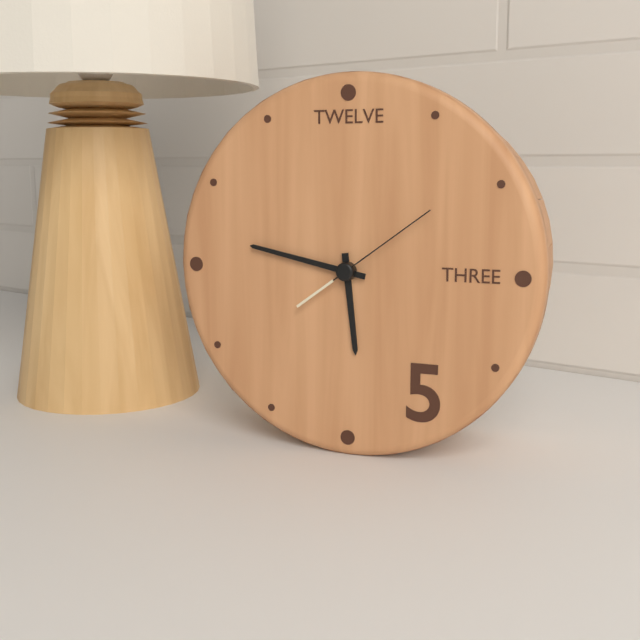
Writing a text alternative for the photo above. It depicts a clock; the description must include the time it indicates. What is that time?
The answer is 5:47:09
